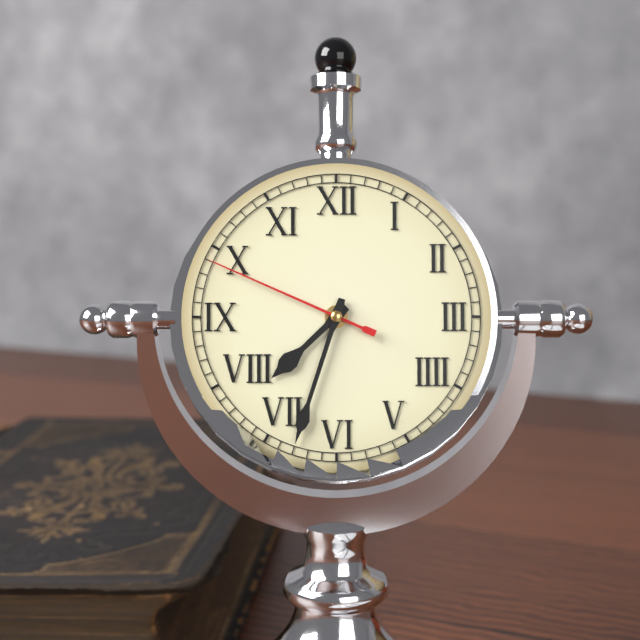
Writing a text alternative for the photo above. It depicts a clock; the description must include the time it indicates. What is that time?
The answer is 7:33:49
